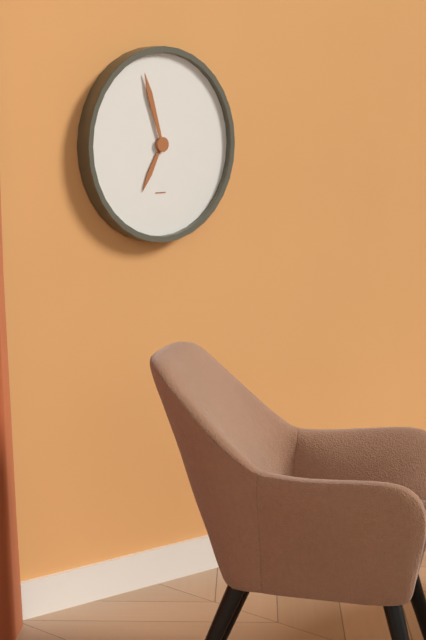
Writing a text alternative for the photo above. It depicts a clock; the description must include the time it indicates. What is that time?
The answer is 6:57
